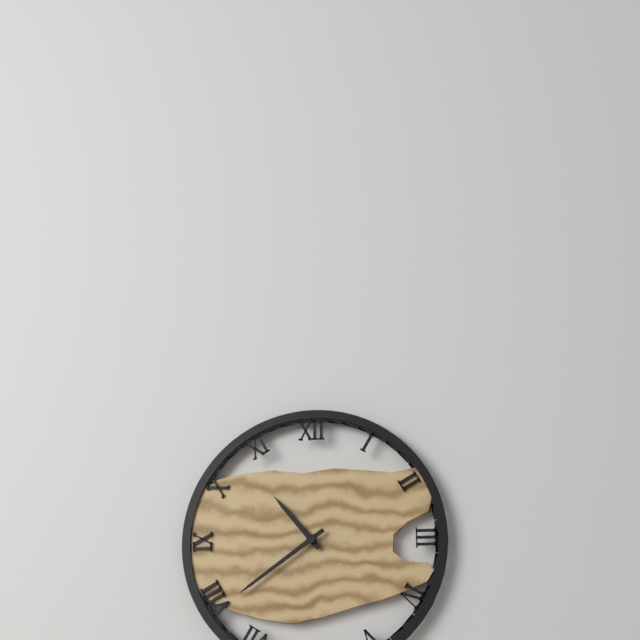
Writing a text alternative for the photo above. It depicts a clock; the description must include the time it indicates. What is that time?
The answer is 10:39
